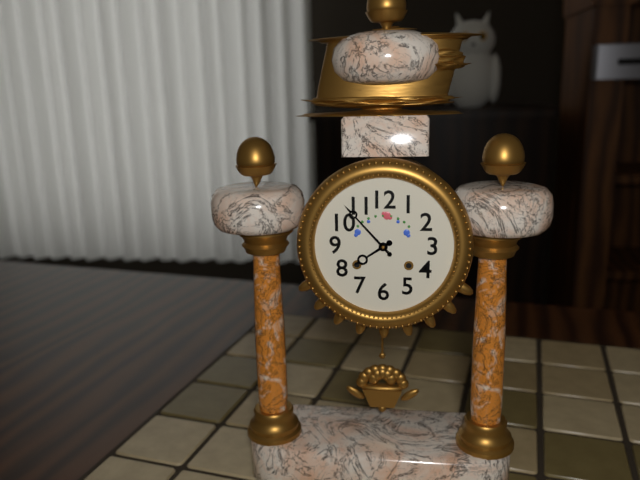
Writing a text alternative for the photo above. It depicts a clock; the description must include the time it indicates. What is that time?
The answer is 7:53
